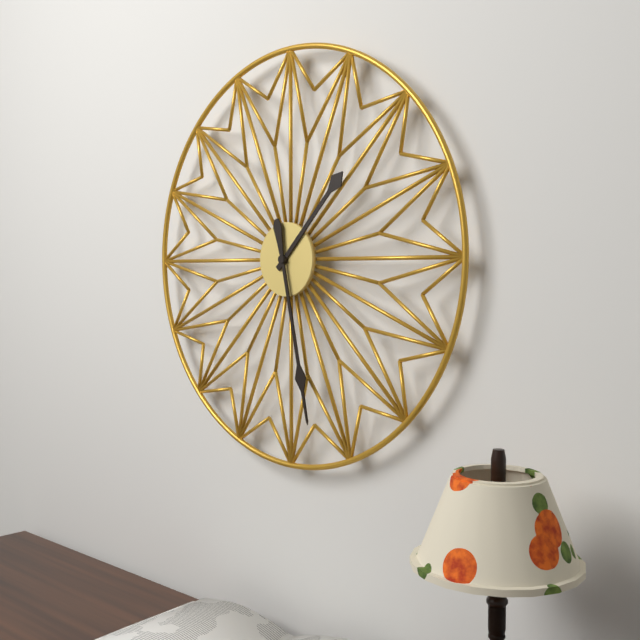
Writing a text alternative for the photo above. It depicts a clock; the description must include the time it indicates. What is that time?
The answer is 1:28
